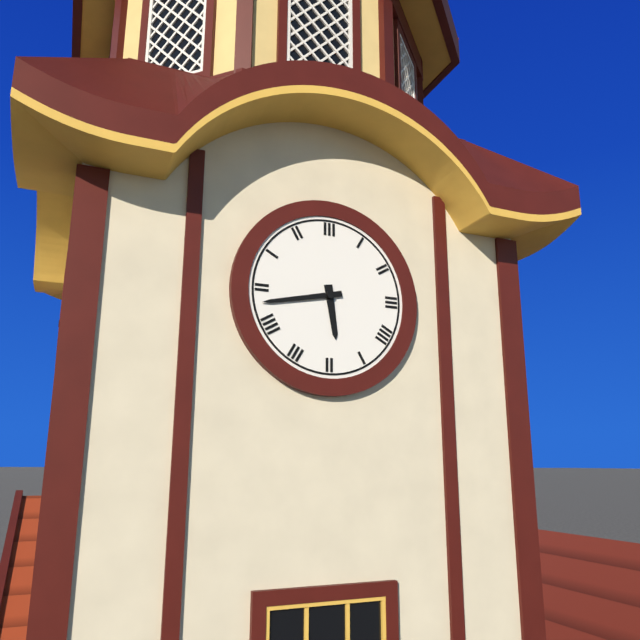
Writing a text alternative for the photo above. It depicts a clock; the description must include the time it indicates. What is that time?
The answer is 5:43
